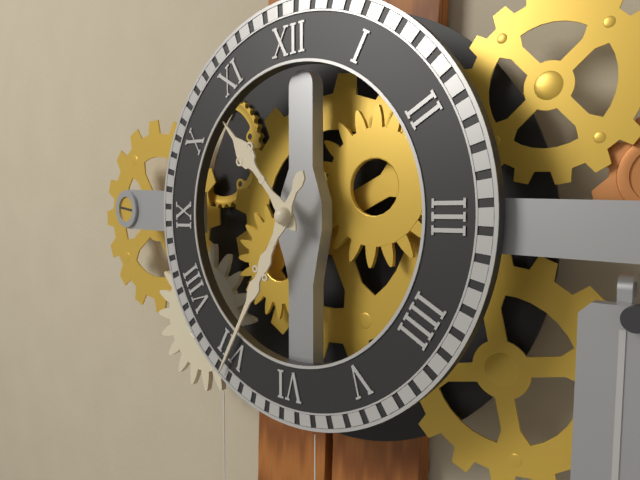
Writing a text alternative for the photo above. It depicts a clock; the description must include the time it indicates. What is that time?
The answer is 10:35
